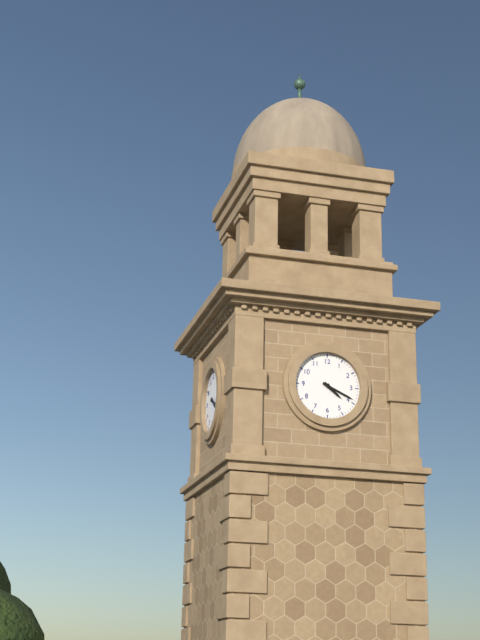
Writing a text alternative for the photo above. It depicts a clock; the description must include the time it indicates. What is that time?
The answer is 4:19
